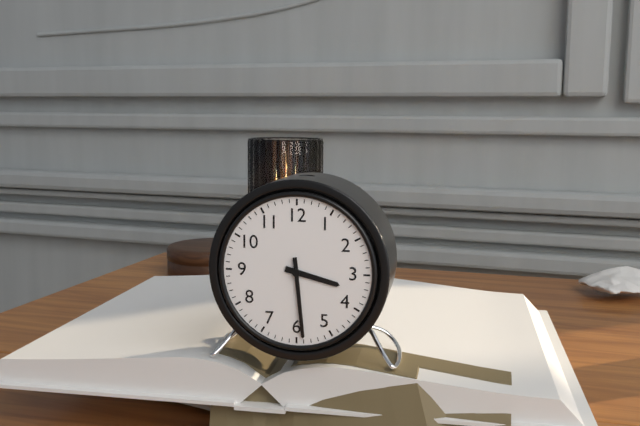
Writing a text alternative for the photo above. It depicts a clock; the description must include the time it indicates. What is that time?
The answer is 3:29
